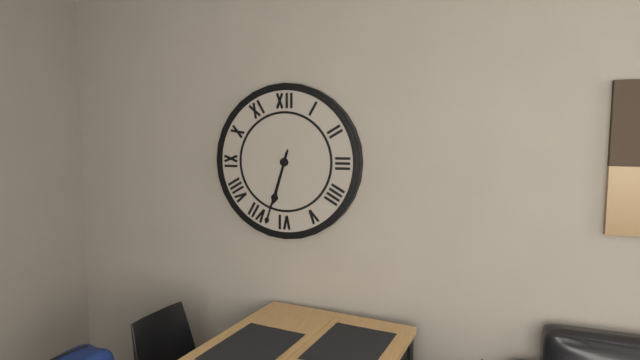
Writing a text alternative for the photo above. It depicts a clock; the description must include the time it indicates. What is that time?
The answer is 6:33
